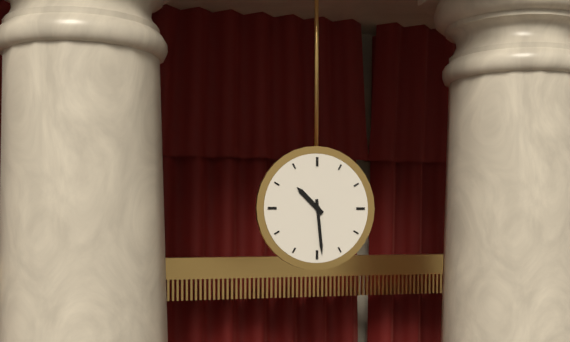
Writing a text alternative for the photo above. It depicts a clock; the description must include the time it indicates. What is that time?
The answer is 10:29
